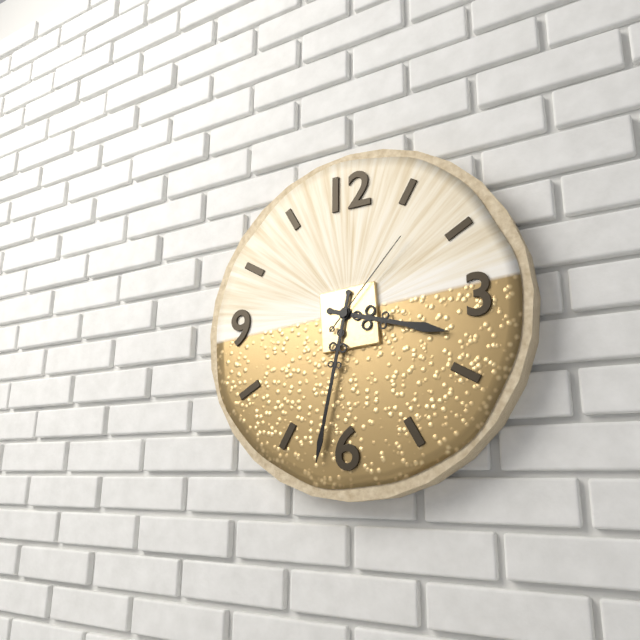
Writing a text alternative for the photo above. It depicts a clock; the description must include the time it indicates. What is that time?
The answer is 3:32:07
